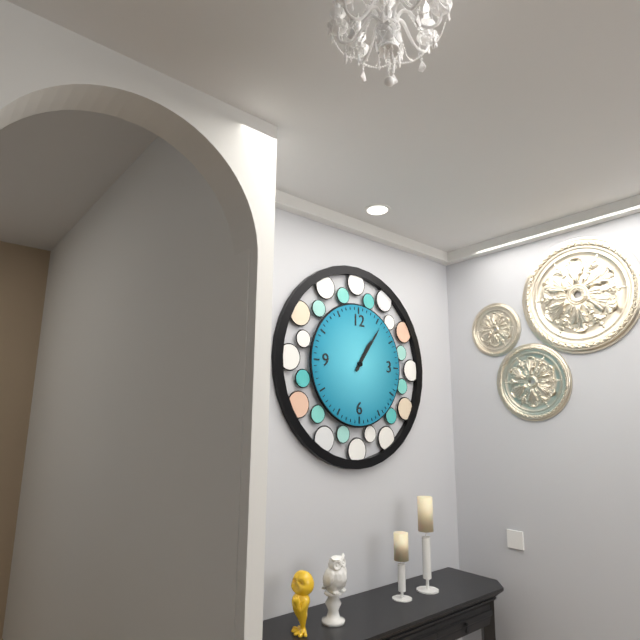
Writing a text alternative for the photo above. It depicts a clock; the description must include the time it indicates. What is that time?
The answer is 1:06
